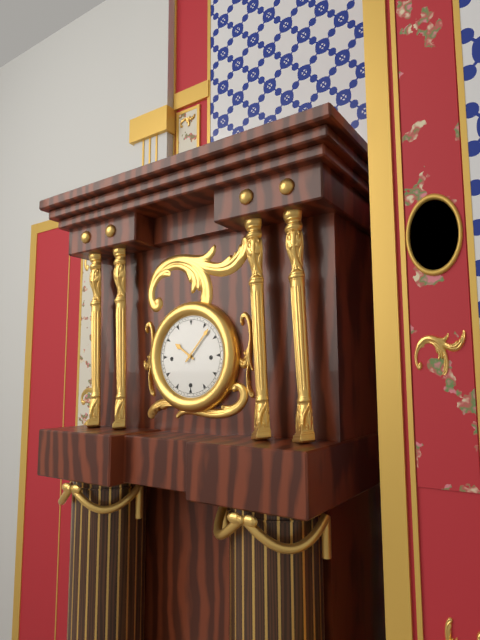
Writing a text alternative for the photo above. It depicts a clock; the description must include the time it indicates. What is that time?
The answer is 10:07
